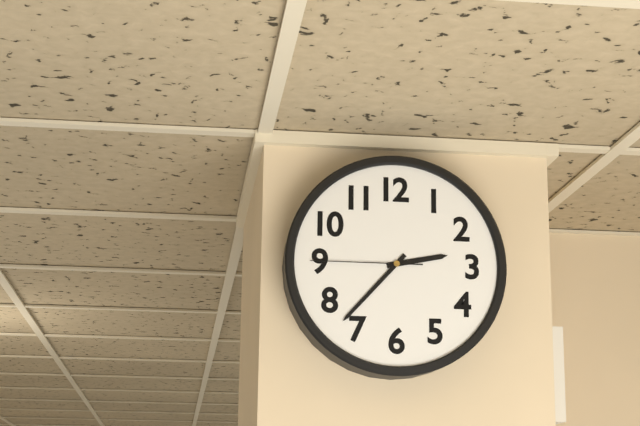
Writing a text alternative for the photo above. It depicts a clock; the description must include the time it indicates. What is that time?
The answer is 2:37:45
